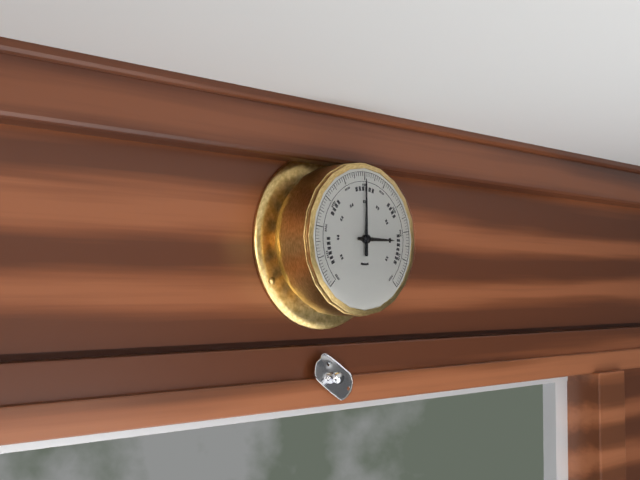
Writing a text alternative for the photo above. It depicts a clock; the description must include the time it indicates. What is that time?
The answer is 3:00
